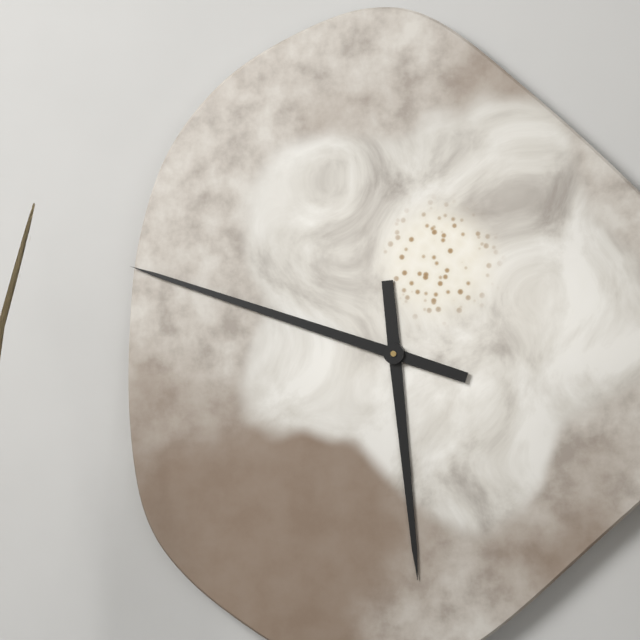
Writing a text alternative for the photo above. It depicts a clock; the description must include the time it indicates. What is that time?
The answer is 5:48
